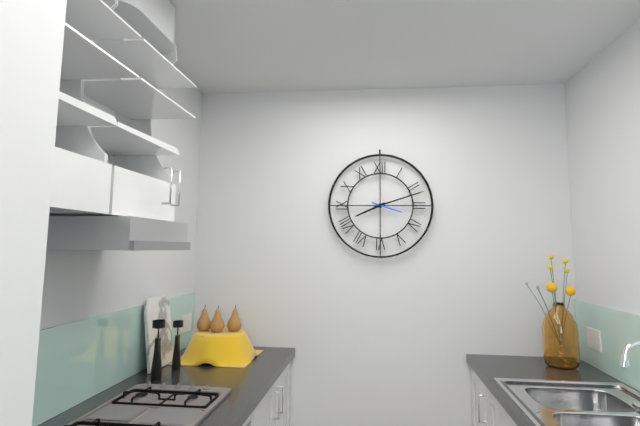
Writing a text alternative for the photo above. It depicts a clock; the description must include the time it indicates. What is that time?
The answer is 8:12
